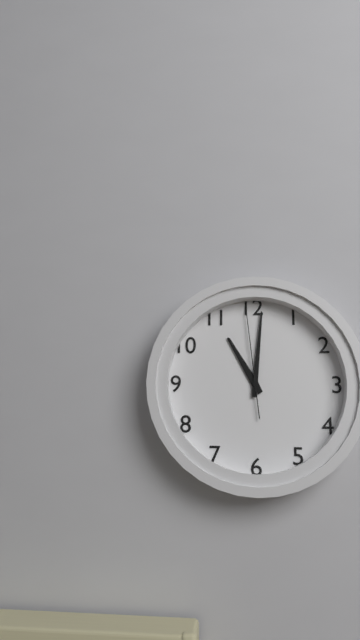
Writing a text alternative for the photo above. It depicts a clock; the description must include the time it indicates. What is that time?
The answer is 11:01:59
